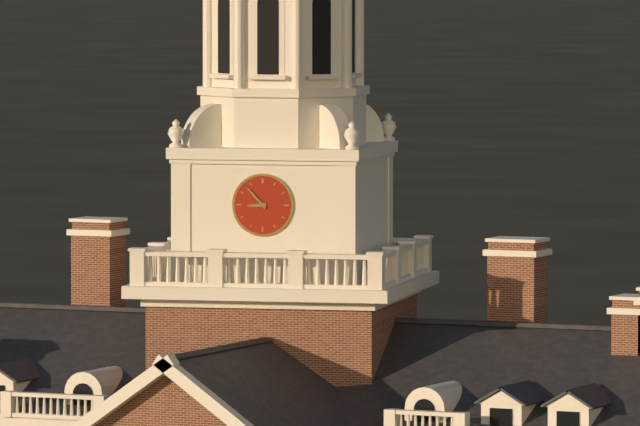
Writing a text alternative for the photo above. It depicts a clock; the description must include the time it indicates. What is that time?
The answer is 8:53
